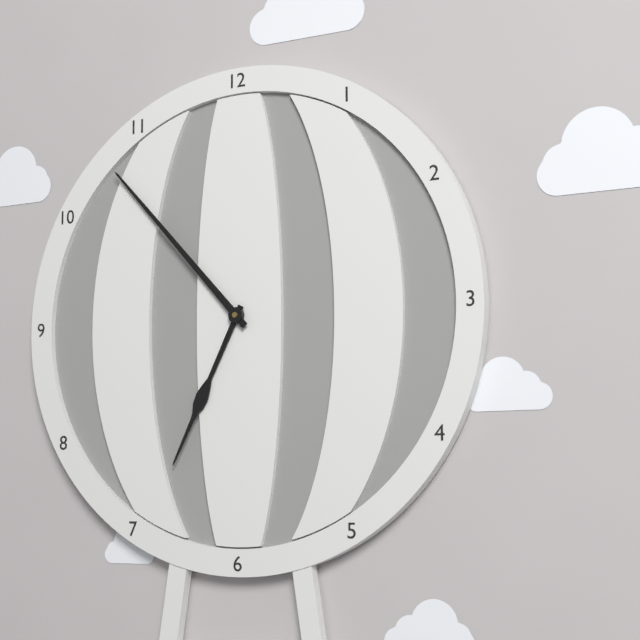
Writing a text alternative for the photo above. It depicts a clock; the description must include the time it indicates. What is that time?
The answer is 6:53
